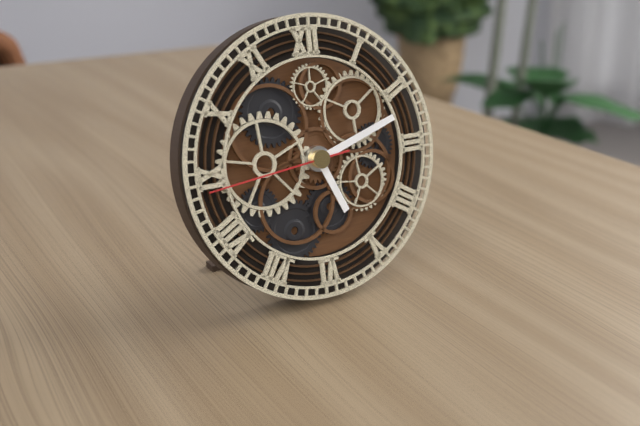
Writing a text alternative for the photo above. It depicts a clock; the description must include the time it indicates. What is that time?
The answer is 5:12:44
